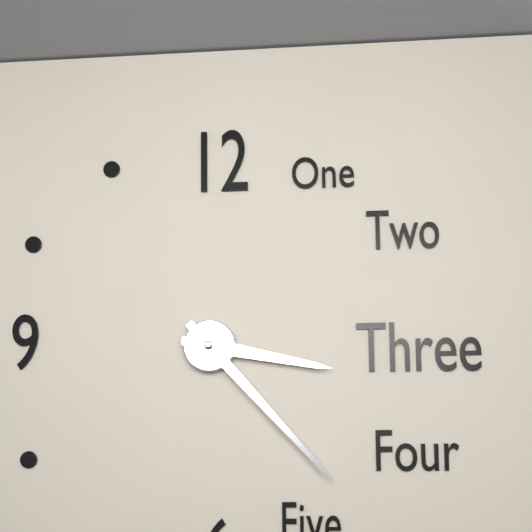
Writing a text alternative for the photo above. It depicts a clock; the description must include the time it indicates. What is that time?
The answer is 3:23
